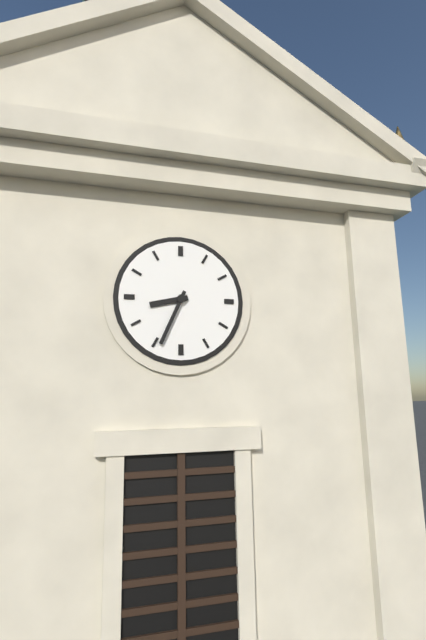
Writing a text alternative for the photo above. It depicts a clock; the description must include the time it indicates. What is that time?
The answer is 8:34
